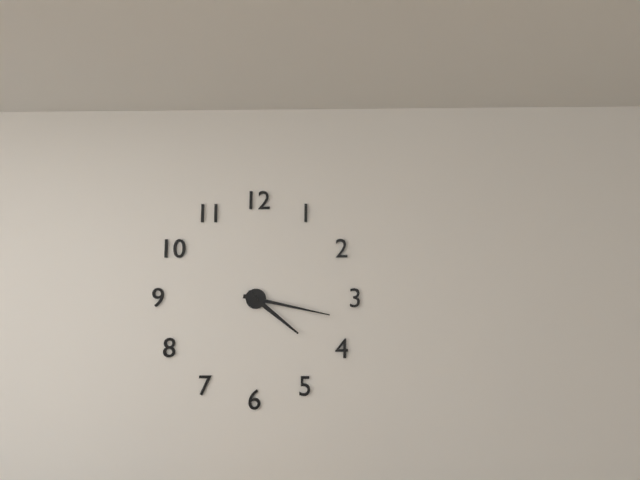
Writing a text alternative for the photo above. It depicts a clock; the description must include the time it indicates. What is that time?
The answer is 4:17
